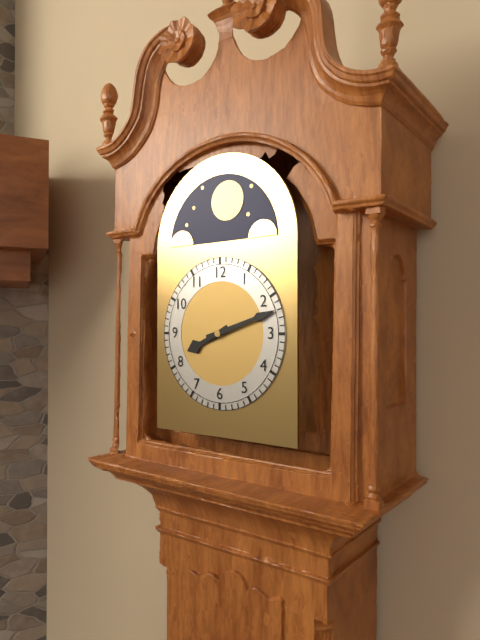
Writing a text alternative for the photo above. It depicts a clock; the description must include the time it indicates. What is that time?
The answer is 8:12
